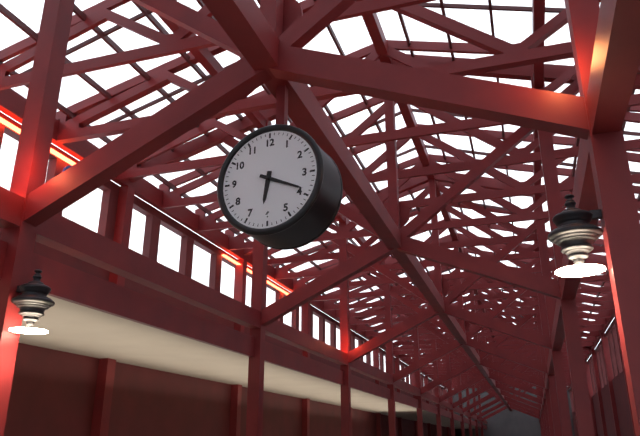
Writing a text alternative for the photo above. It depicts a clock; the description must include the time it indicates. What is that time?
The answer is 6:19
